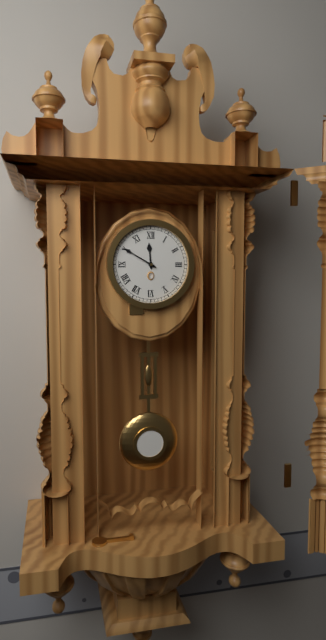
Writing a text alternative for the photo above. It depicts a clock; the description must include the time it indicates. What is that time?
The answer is 11:50
